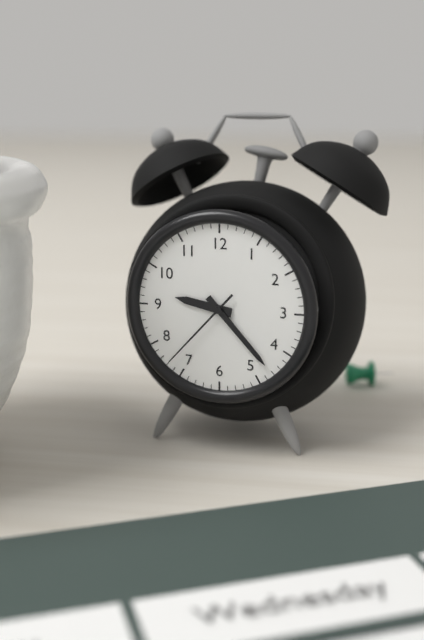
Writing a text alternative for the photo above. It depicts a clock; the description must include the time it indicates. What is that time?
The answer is 9:23:37
